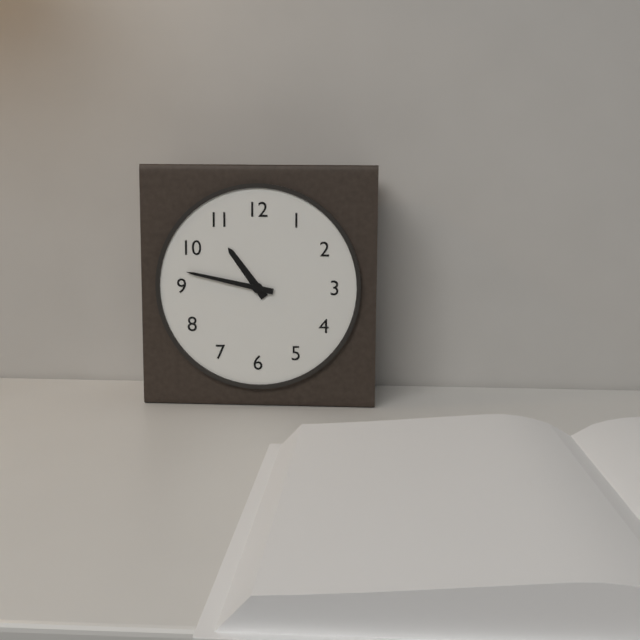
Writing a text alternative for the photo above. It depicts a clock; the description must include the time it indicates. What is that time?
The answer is 10:47
